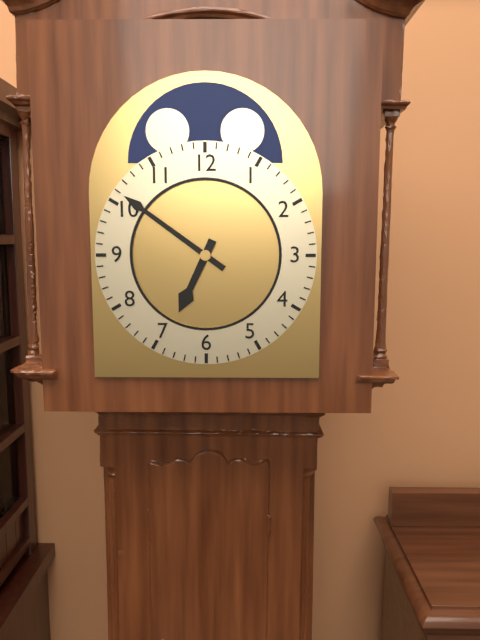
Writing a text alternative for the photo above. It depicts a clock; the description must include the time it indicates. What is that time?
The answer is 6:51
